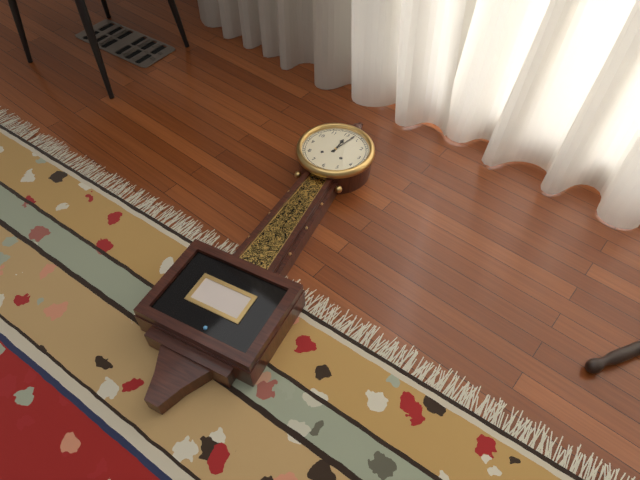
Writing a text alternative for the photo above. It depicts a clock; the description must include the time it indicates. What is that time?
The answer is 12:03
